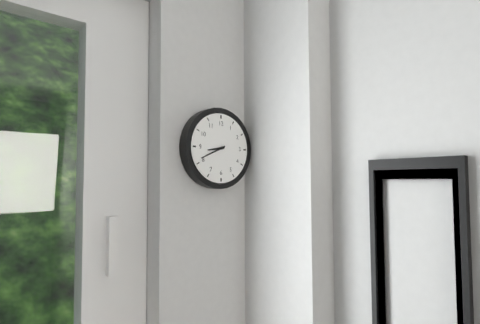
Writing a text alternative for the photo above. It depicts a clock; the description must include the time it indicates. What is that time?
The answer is 8:41
